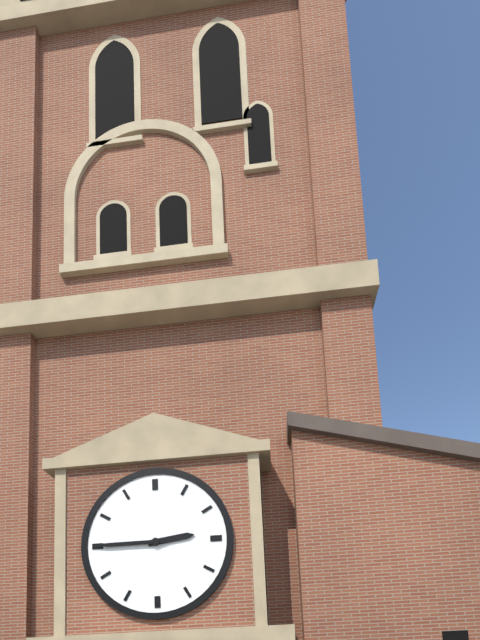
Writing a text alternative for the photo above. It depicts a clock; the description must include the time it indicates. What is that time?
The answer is 2:45
